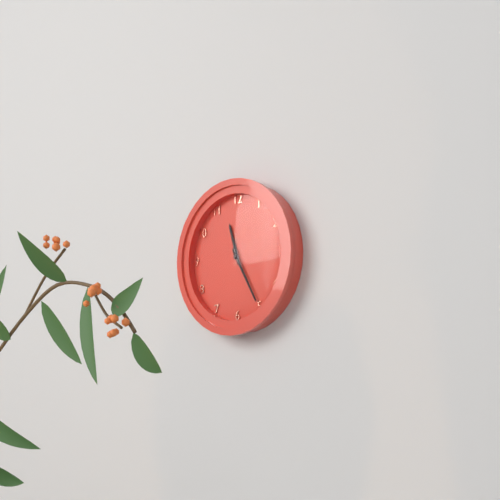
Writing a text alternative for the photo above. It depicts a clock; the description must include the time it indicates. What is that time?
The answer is 11:25
